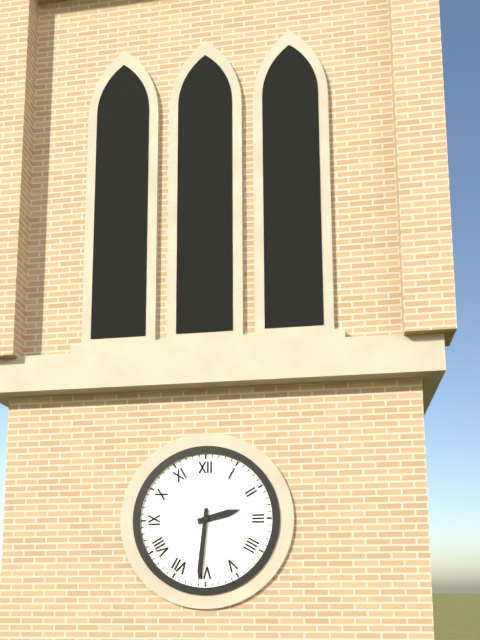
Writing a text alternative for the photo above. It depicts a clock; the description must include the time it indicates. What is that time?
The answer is 2:31
